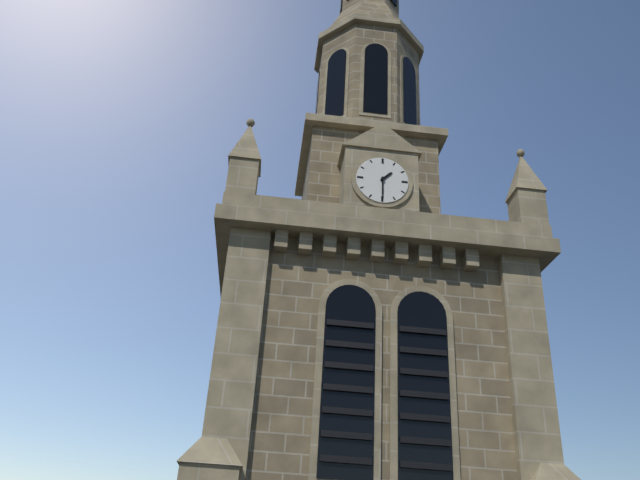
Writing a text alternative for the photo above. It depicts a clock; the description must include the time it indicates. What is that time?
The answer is 1:30
